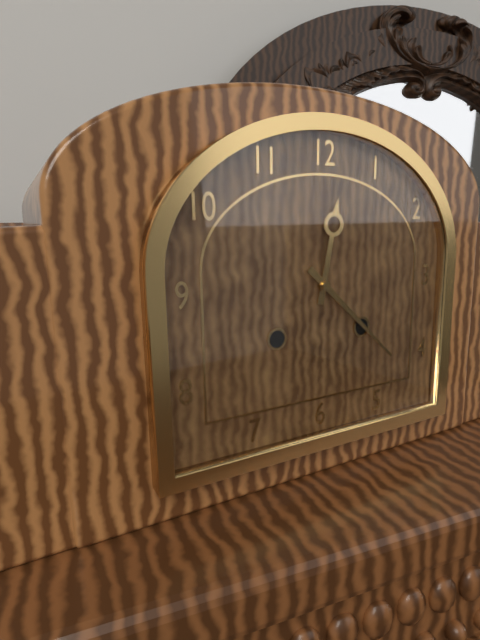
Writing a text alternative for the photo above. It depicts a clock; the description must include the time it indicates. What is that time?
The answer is 12:22
